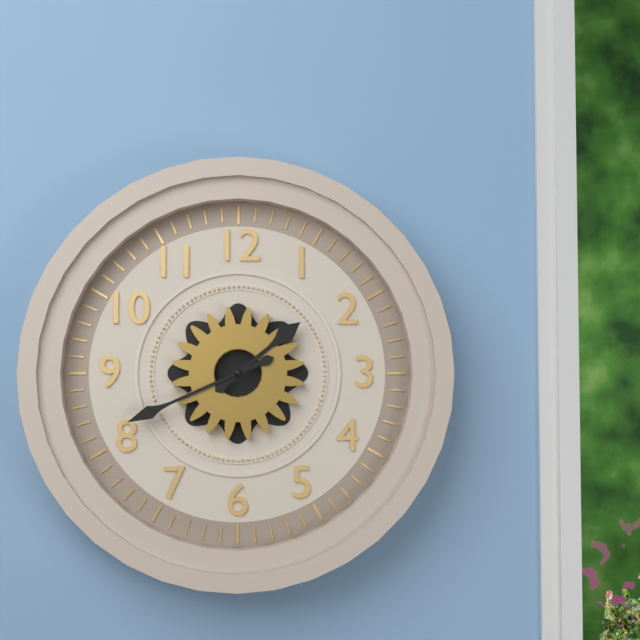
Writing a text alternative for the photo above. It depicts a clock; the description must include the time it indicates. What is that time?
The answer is 1:41
